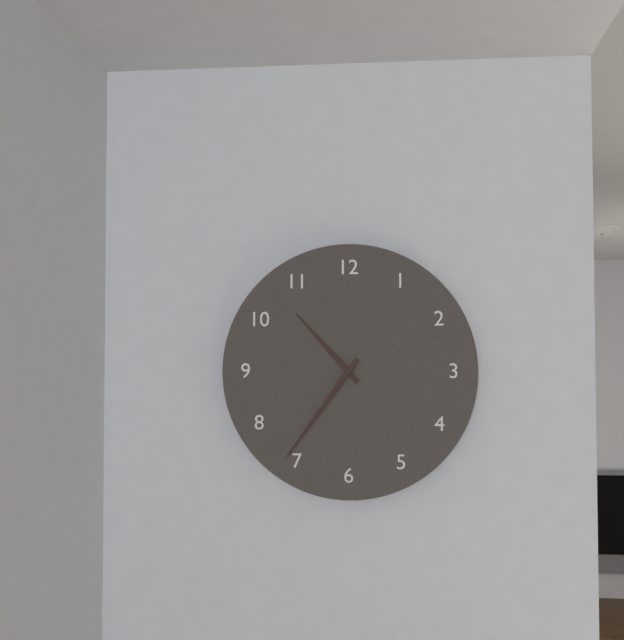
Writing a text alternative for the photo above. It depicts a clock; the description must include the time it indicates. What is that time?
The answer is 10:36
